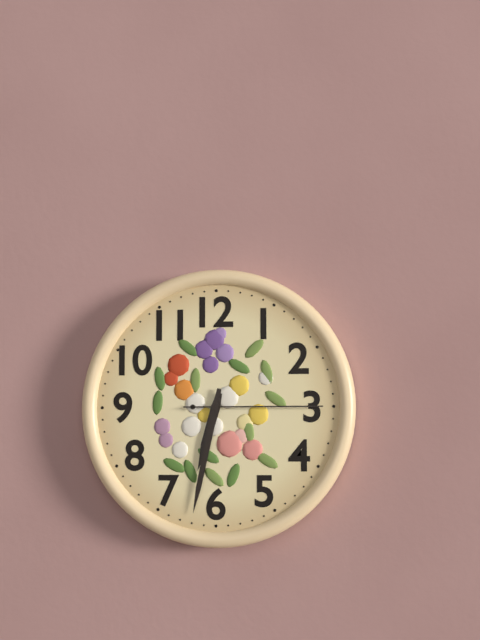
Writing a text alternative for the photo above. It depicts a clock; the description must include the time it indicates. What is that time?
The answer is 6:32:15
